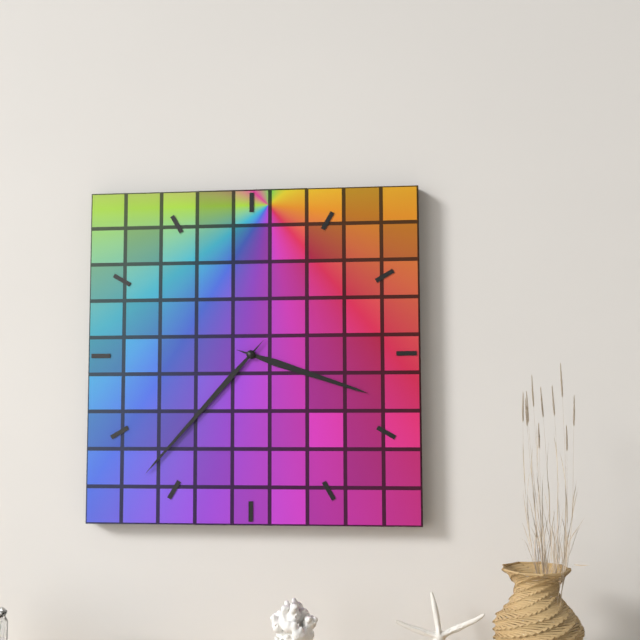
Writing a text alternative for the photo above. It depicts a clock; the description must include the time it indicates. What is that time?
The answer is 3:37
